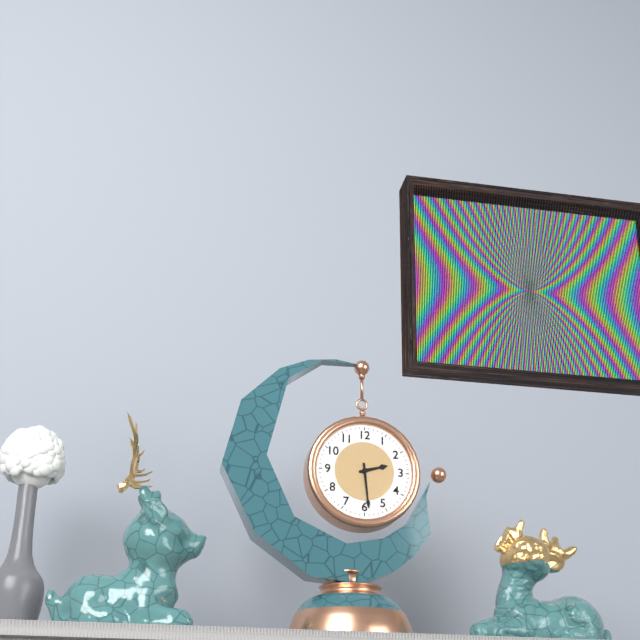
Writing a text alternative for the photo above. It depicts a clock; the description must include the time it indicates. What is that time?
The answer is 2:29
